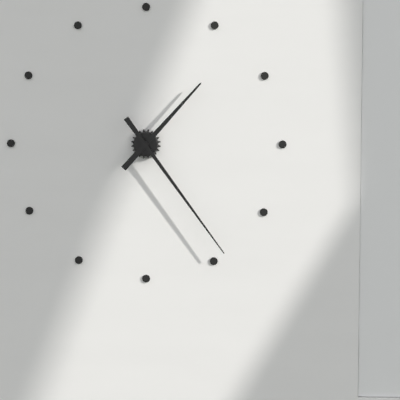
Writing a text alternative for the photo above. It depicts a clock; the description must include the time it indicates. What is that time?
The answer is 1:24
